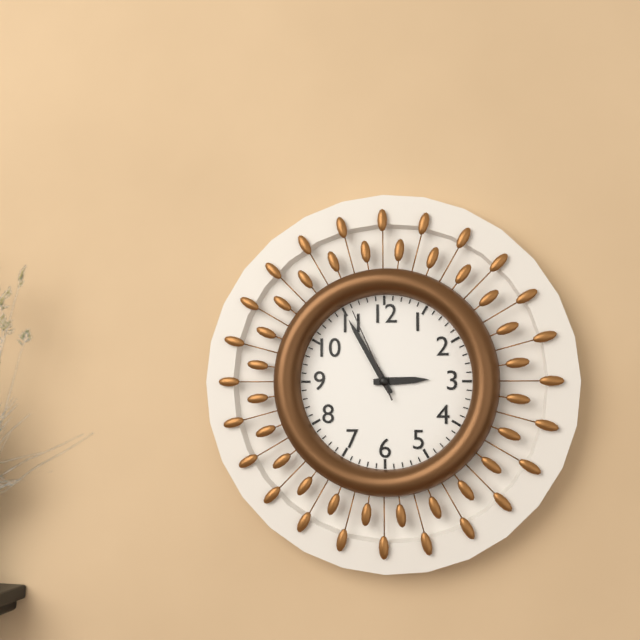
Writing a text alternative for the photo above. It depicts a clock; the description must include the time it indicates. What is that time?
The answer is 2:55:56
